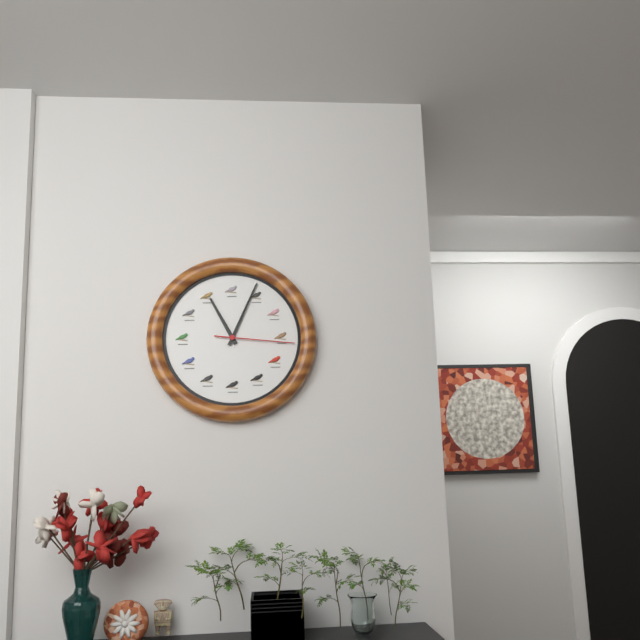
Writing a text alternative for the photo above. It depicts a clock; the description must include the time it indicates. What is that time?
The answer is 11:04:16
